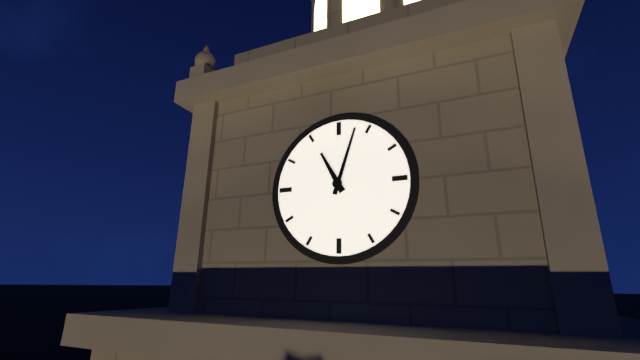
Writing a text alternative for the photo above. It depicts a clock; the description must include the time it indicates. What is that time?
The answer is 11:03
